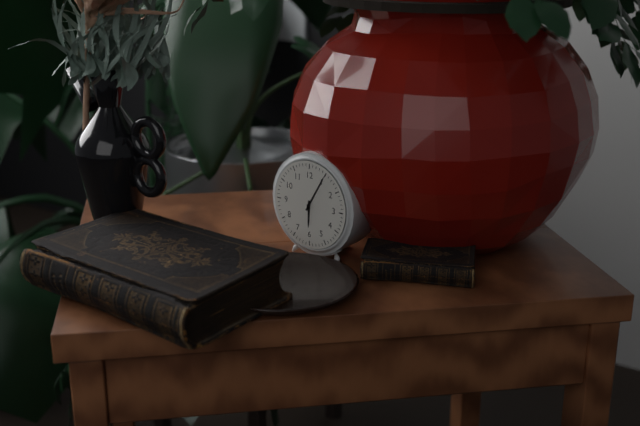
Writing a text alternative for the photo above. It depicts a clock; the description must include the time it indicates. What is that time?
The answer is 6:05
